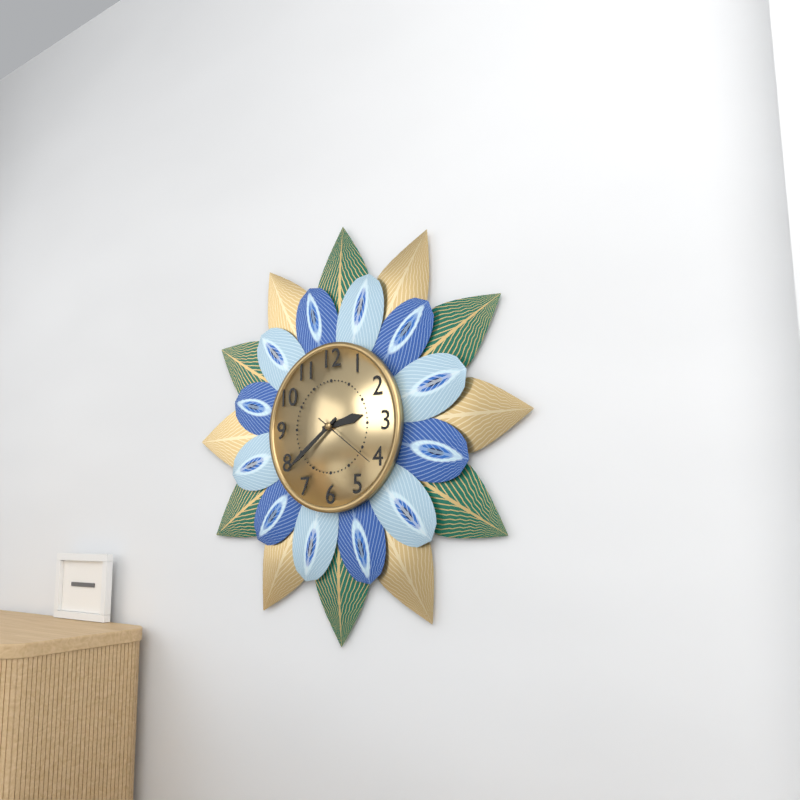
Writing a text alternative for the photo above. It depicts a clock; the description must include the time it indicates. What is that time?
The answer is 2:39:21
